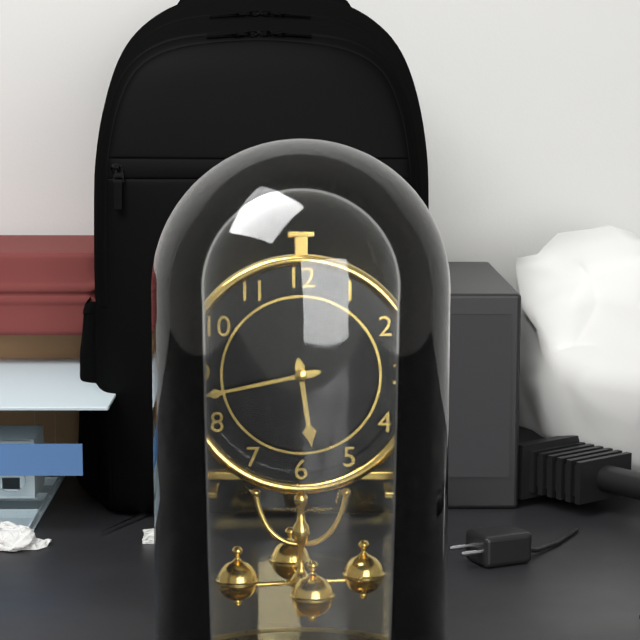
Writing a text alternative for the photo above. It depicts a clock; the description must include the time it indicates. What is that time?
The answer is 5:43
